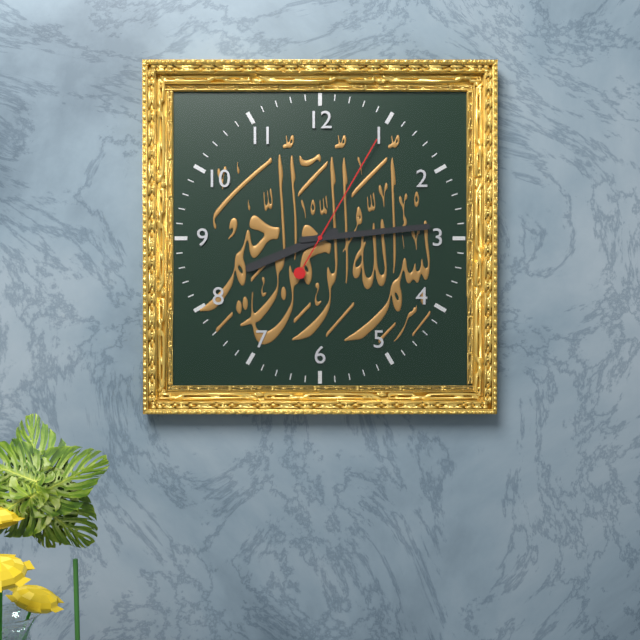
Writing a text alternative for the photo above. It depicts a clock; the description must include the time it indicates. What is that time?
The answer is 8:14:05
